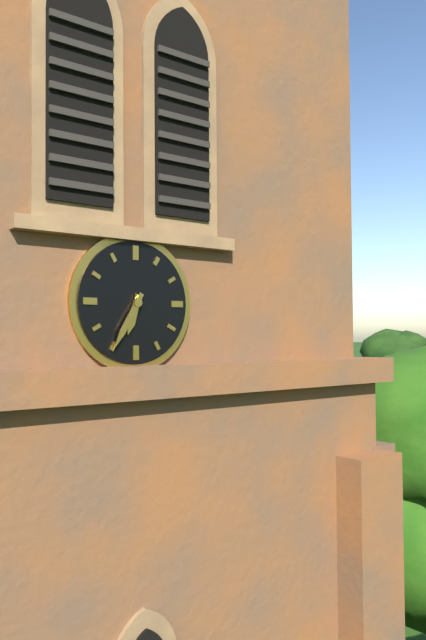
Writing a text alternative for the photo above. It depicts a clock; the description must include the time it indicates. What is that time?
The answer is 6:35
